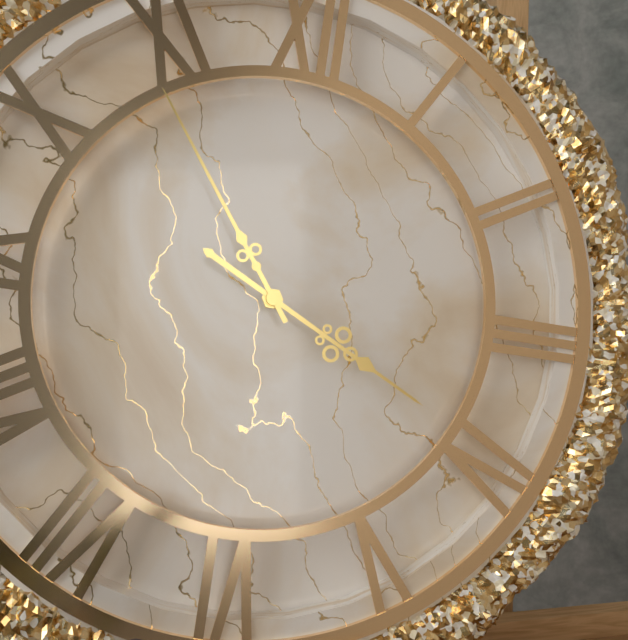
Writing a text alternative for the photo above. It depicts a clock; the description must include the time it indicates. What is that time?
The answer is 3:54
